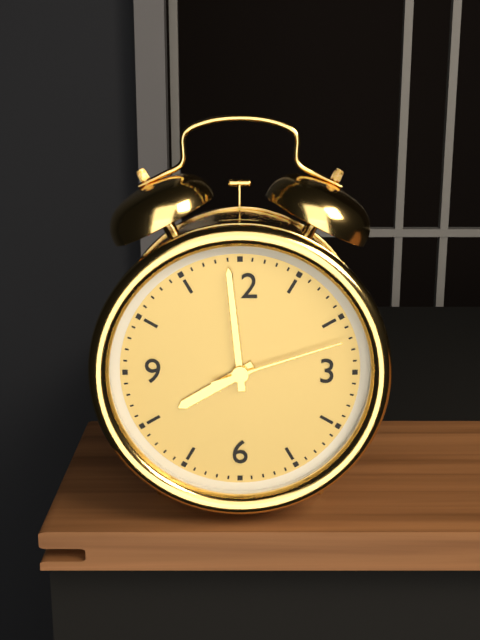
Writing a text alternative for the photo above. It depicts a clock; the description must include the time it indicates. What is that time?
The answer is 7:59:12
